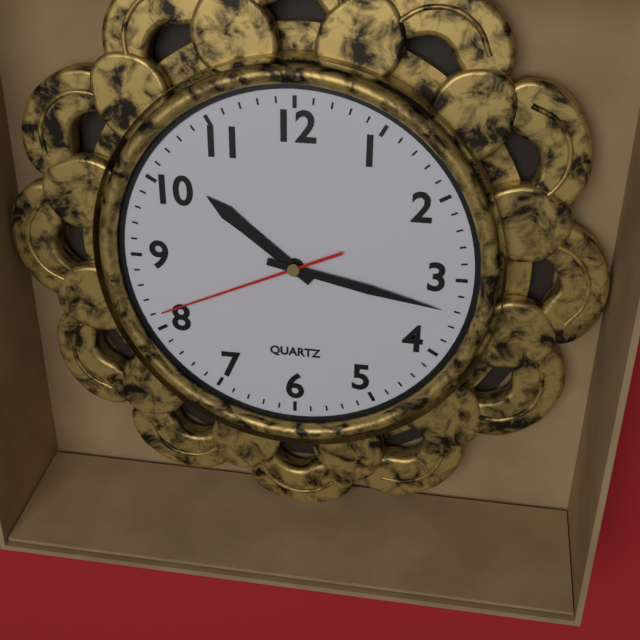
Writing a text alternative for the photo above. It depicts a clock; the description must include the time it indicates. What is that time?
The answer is 10:17:41
